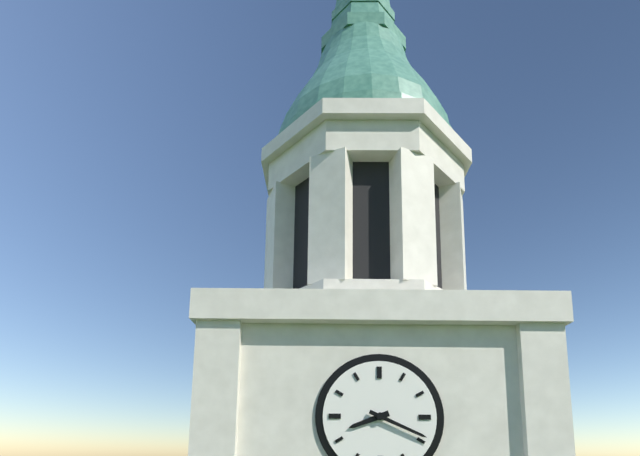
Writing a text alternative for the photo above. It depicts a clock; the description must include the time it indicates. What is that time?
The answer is 8:19
